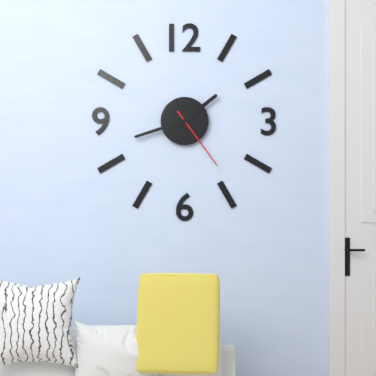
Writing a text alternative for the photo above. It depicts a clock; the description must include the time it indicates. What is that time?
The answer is 1:42:24
